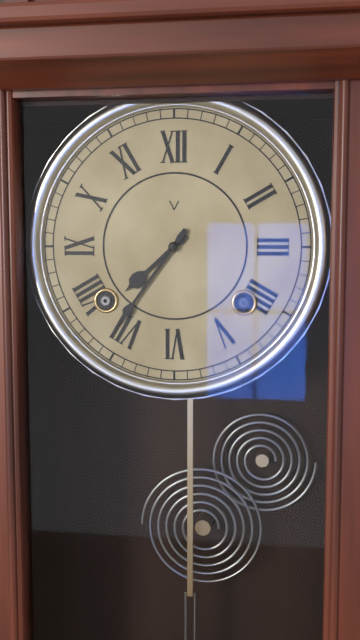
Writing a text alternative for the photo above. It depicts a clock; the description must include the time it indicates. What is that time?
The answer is 7:36
